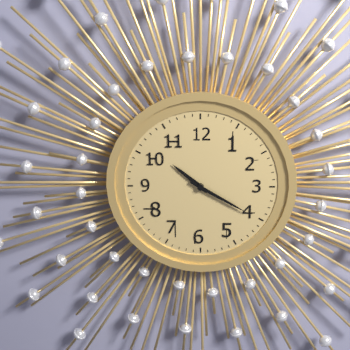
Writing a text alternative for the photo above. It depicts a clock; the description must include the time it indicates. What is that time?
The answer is 10:20
